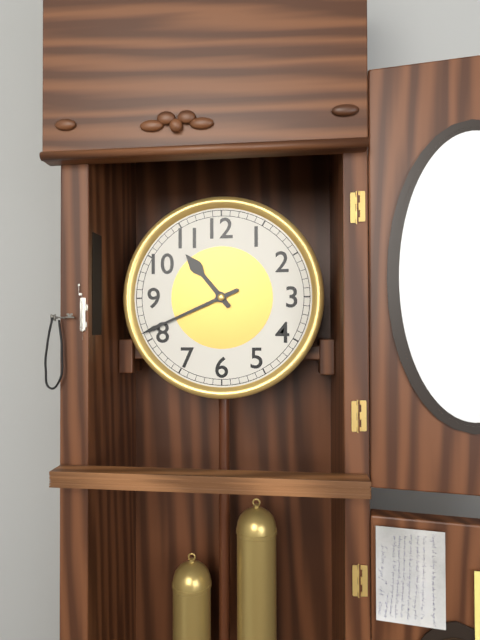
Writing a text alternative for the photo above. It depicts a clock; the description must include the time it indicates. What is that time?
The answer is 10:41
